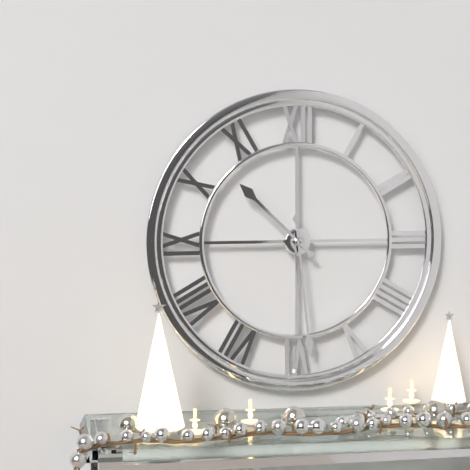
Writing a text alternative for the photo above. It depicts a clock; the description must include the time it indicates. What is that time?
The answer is 10:29
